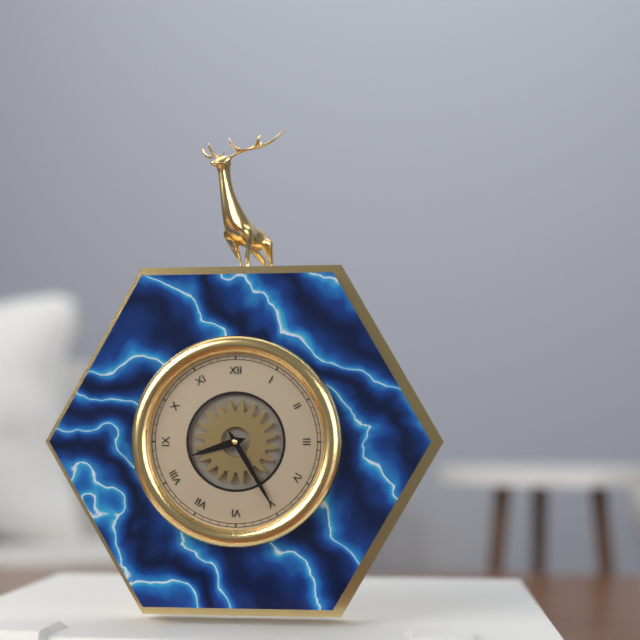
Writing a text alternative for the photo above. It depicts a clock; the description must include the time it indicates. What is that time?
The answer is 8:25
